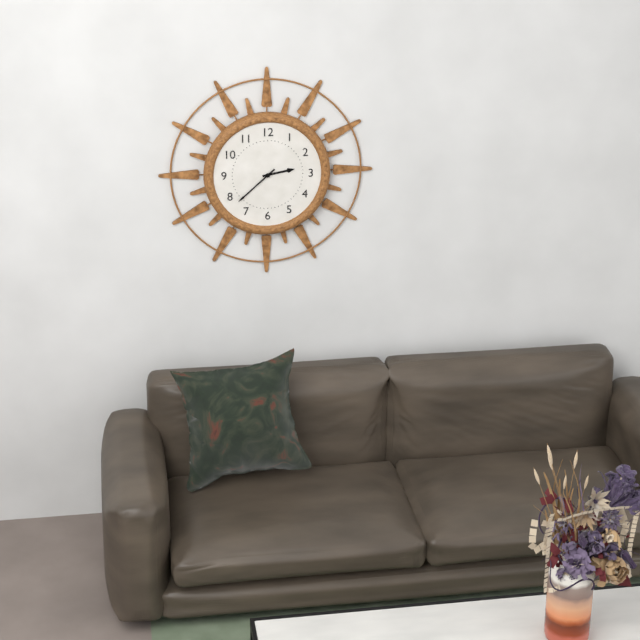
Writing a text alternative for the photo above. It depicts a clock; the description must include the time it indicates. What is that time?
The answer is 2:38
